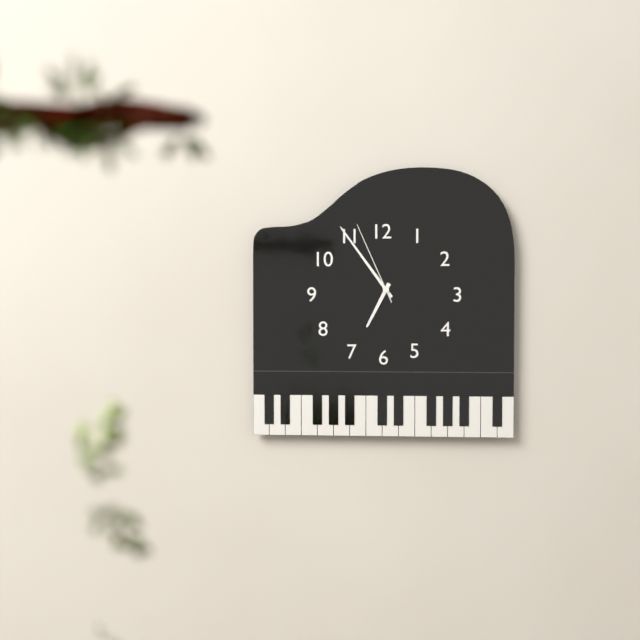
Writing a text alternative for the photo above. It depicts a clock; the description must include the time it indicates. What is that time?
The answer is 6:54:56
